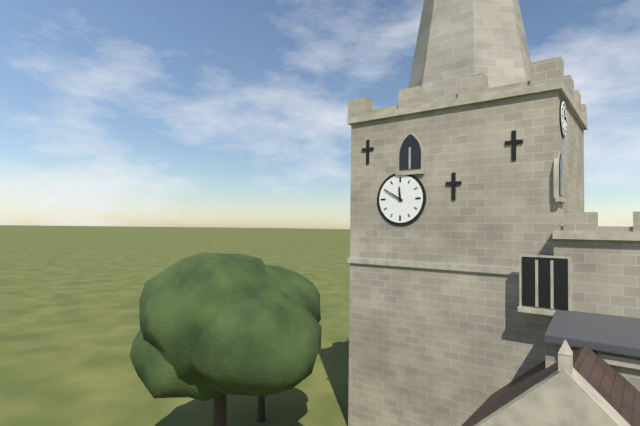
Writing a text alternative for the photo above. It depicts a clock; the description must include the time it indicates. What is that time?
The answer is 11:50
